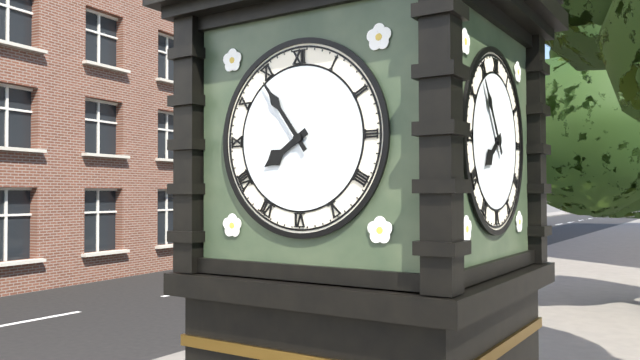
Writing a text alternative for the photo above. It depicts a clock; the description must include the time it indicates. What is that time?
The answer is 7:54
